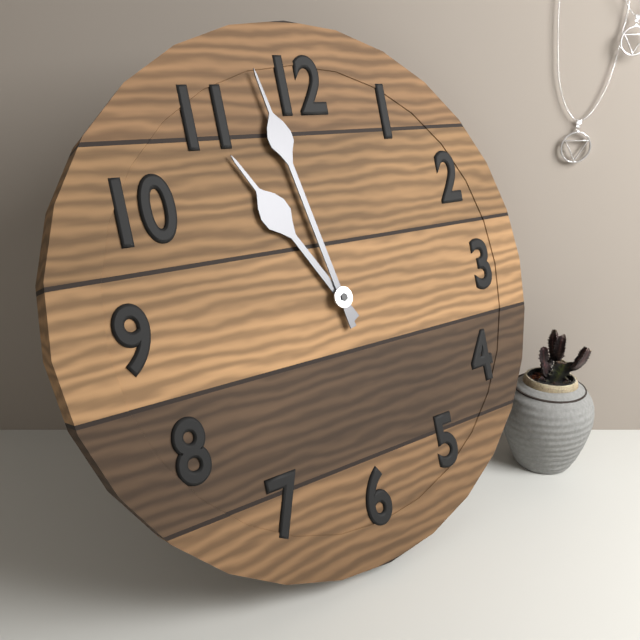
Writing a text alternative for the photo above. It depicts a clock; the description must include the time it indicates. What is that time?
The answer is 10:58
